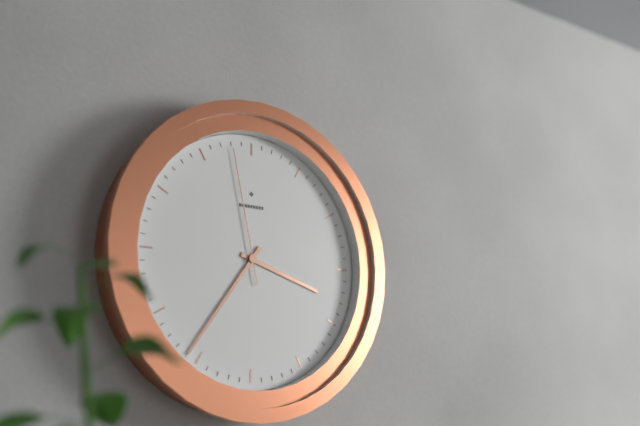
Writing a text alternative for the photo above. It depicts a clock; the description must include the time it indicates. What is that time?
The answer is 3:36:58
